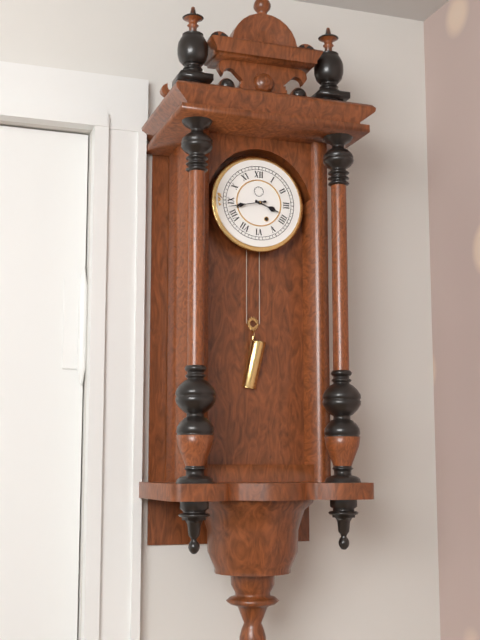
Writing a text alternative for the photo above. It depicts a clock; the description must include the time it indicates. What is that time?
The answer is 3:43
